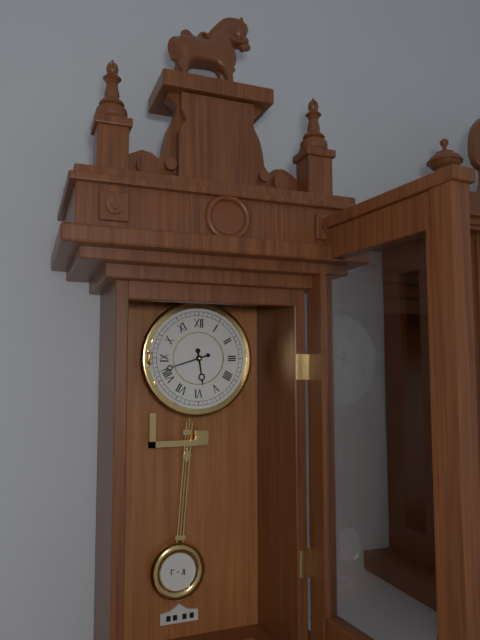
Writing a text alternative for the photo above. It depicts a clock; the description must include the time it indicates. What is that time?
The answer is 5:42
